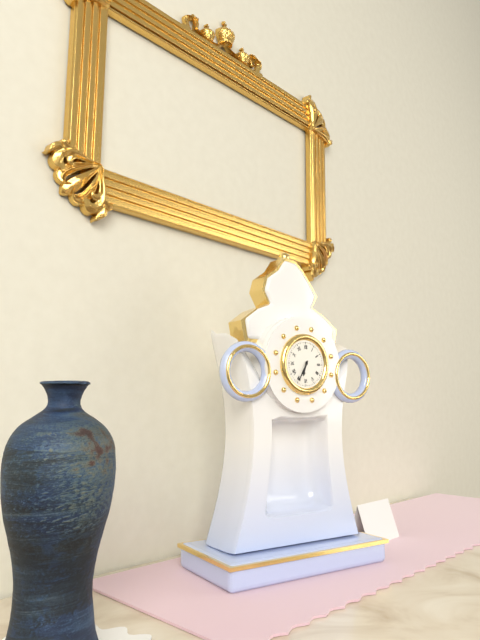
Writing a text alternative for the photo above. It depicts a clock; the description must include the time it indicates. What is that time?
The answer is 6:35
